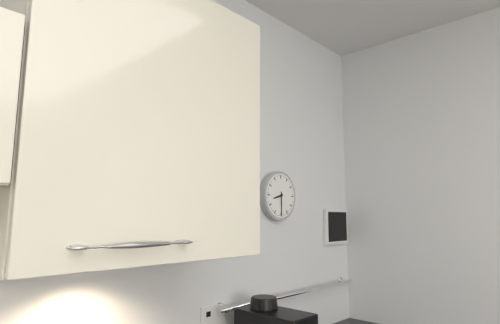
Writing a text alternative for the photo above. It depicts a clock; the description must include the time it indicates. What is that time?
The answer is 8:30
